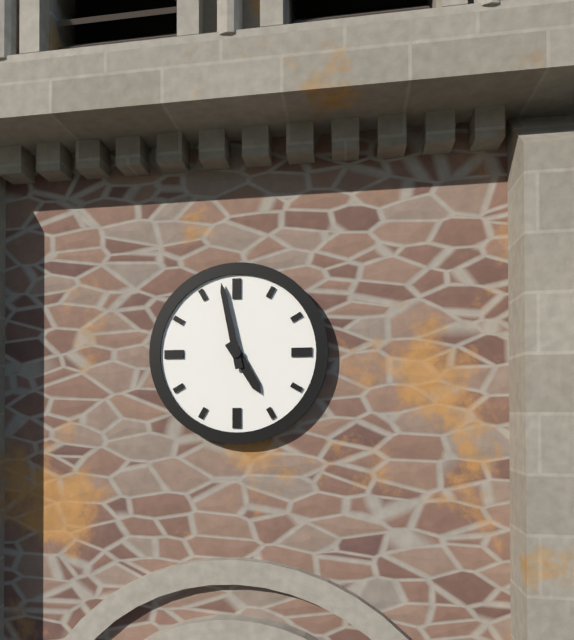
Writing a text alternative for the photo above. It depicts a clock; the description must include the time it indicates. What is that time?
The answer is 4:58
